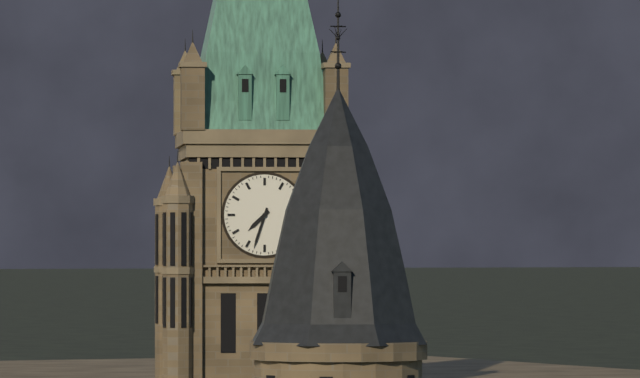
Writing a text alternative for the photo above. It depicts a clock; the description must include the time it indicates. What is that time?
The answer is 7:33
